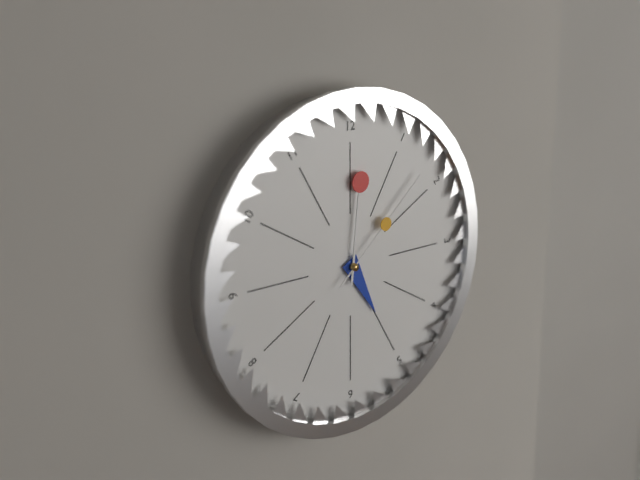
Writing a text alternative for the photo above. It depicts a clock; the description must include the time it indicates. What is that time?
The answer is 5:01:08
